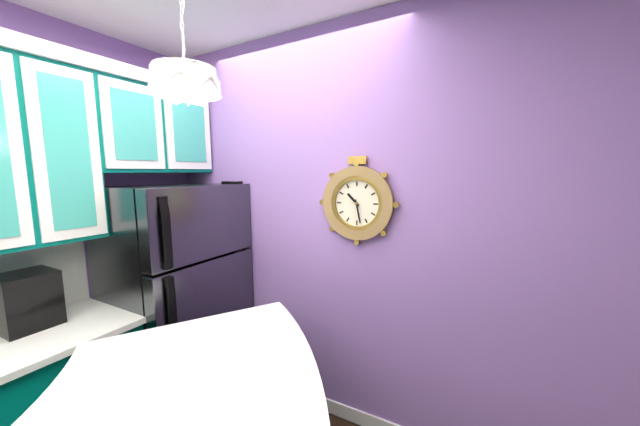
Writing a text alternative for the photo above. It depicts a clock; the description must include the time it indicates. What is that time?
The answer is 10:28
